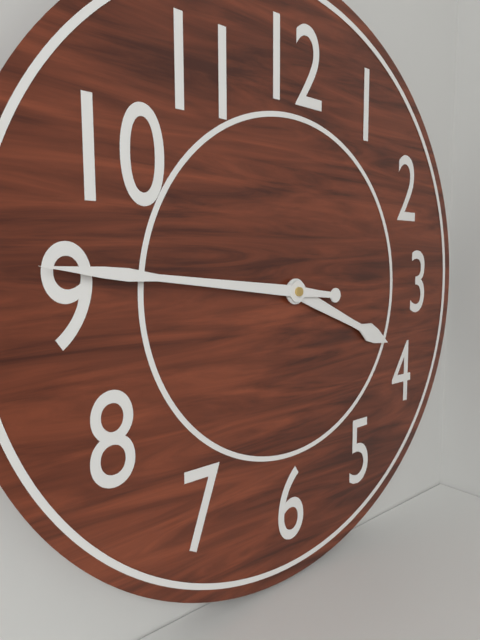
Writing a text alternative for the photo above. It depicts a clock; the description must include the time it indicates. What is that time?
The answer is 3:46
